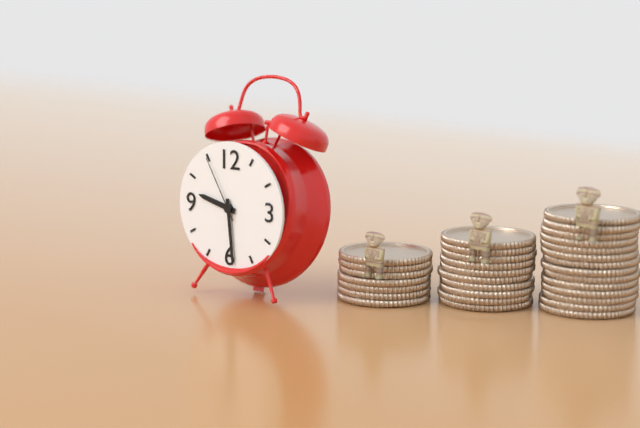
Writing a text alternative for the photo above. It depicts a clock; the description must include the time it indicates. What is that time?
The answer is 9:29:55
